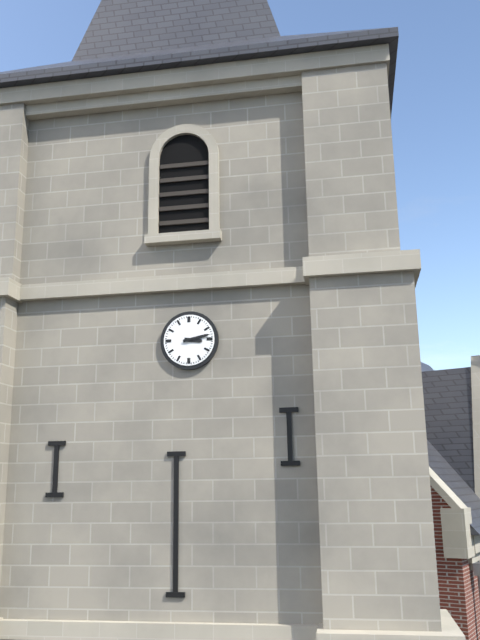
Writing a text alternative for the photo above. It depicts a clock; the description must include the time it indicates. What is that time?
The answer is 3:13
